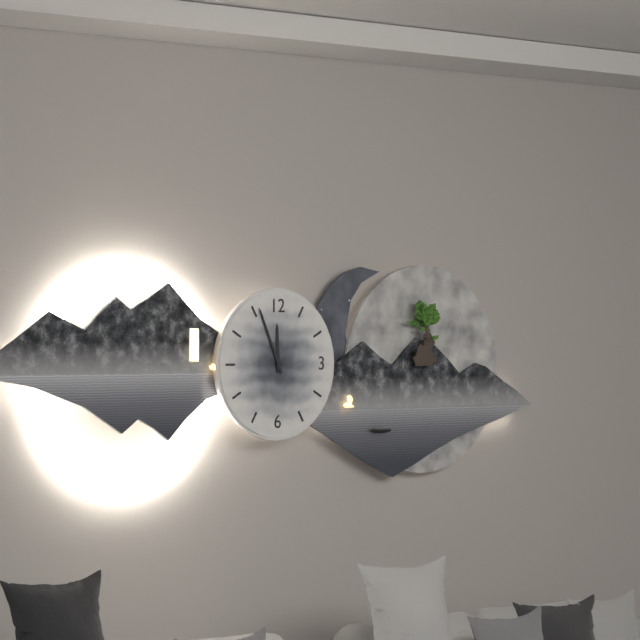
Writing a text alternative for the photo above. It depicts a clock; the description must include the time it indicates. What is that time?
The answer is 11:56
